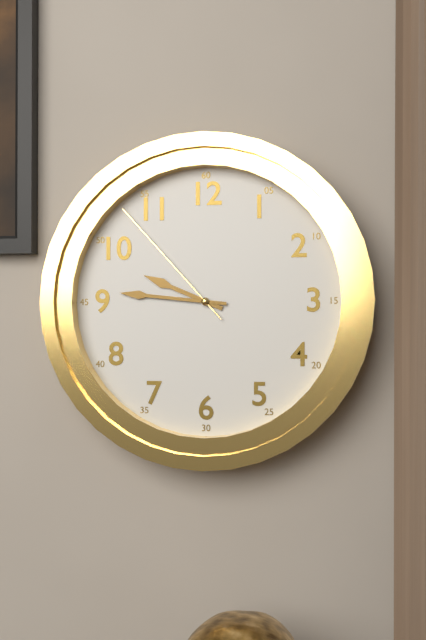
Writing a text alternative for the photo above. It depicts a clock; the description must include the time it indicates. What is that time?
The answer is 9:46:53
